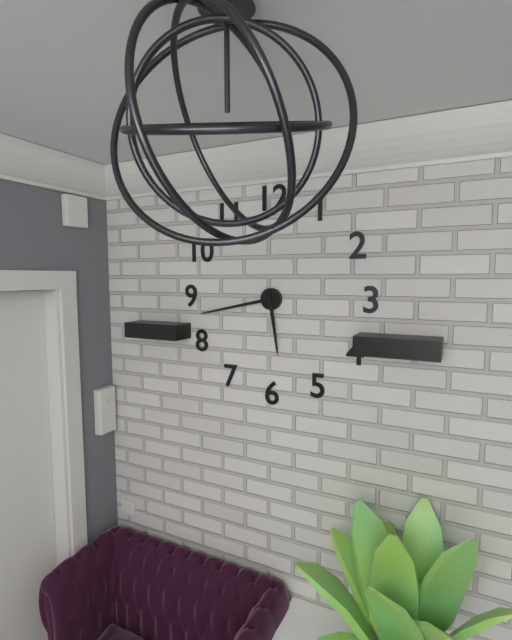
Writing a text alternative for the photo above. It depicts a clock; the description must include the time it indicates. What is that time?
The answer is 5:43
